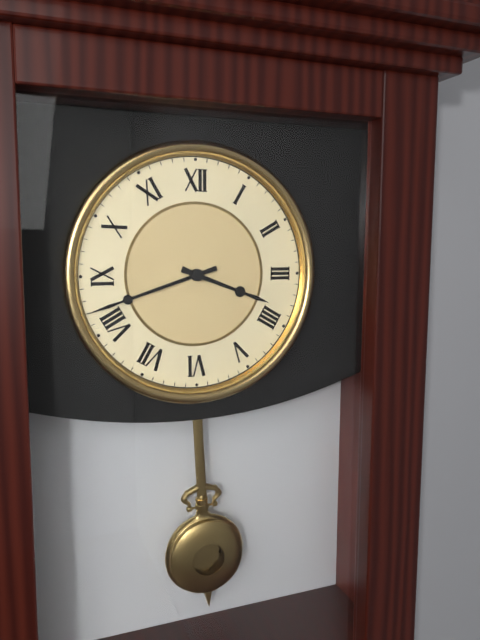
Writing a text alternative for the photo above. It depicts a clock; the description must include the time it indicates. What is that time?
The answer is 3:42
